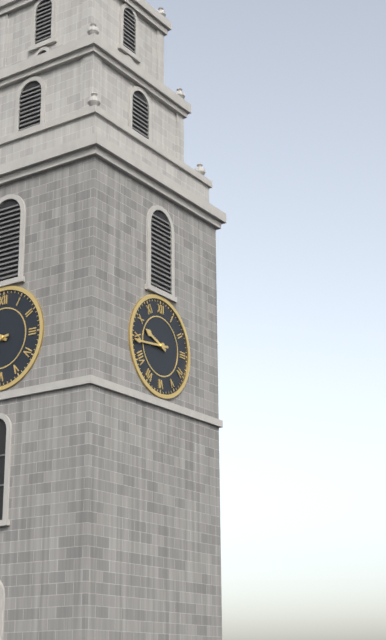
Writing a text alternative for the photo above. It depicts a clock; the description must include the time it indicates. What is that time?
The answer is 9:44
